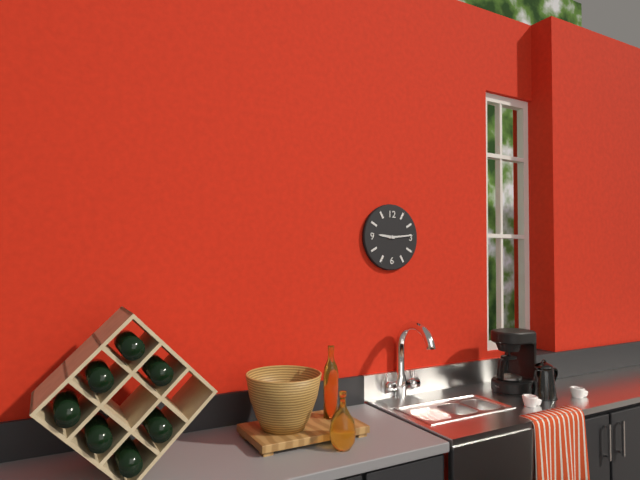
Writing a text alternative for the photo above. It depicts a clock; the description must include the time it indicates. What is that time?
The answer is 9:14
